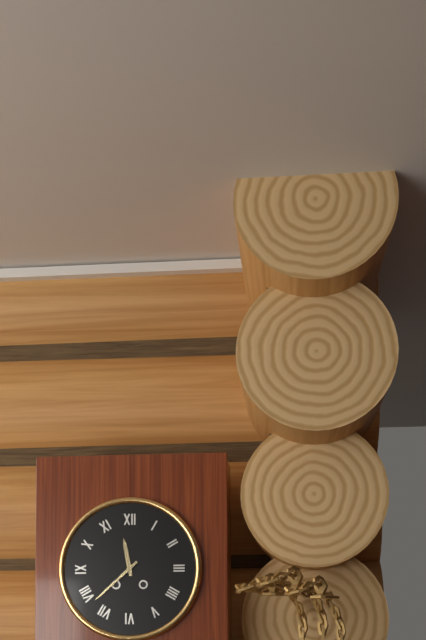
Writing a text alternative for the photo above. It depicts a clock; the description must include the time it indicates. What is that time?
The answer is 11:38
